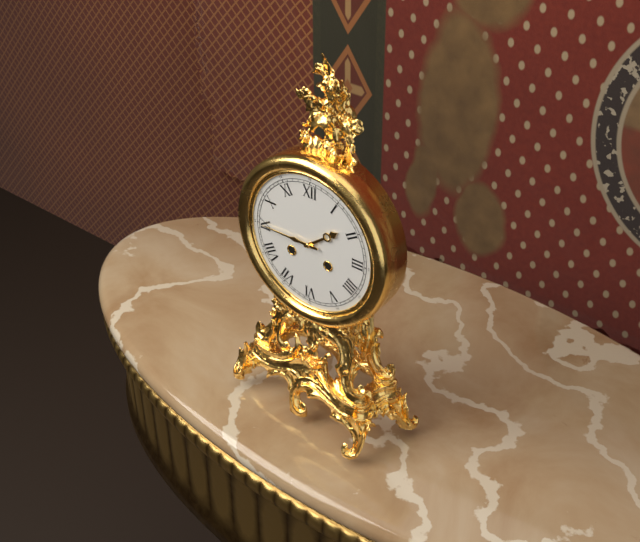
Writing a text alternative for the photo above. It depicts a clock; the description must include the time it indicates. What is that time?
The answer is 1:45
